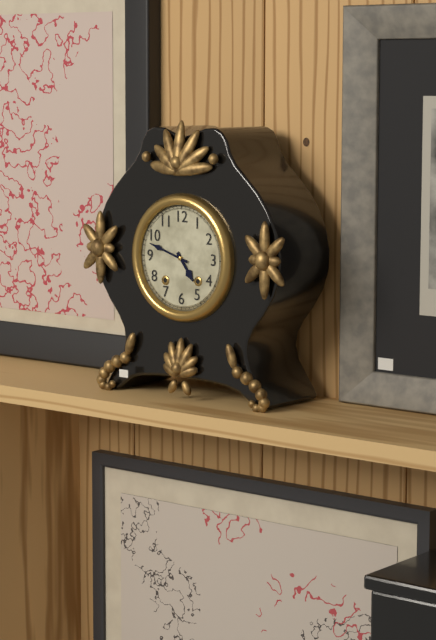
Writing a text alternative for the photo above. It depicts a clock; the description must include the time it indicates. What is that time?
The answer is 4:48
